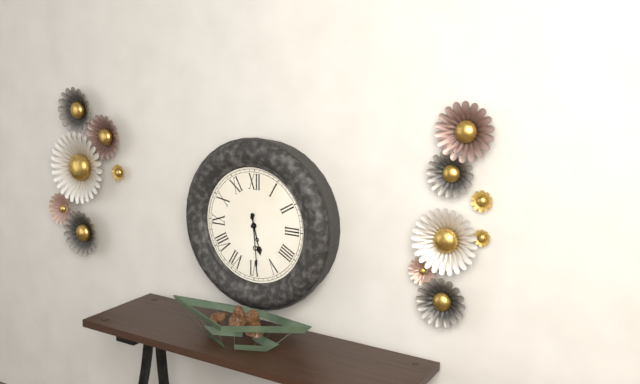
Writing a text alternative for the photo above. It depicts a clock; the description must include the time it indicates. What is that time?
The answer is 5:29
